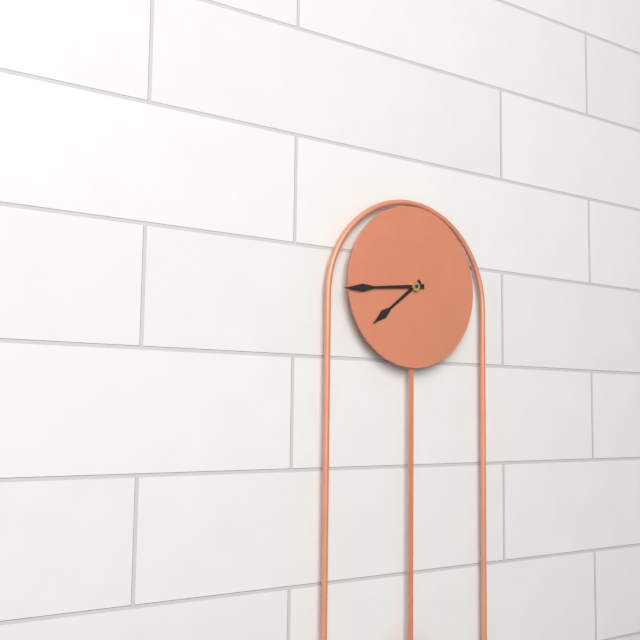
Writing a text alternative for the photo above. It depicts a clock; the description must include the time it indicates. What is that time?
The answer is 7:44
